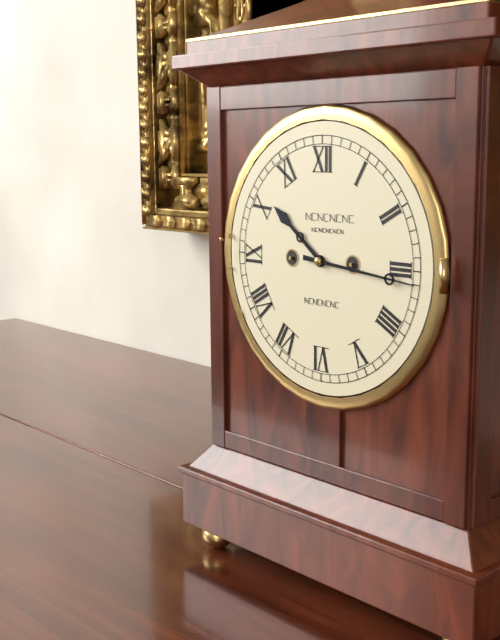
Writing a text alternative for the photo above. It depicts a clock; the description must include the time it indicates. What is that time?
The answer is 10:16
